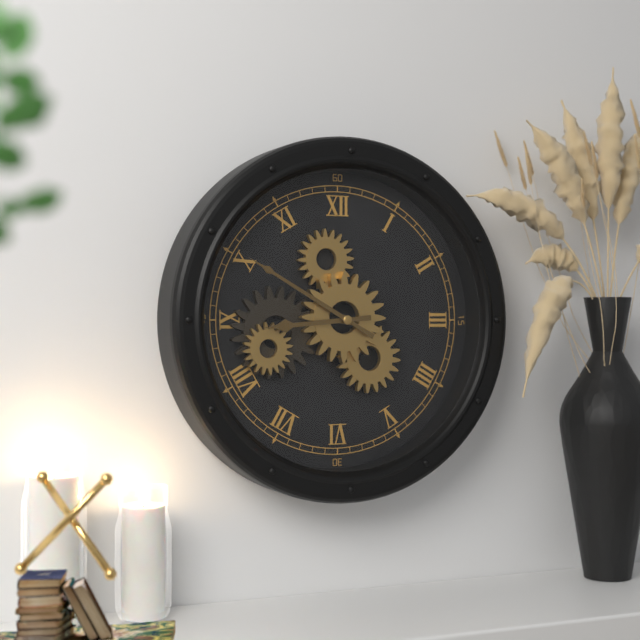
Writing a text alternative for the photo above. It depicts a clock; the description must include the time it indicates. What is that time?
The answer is 8:50
